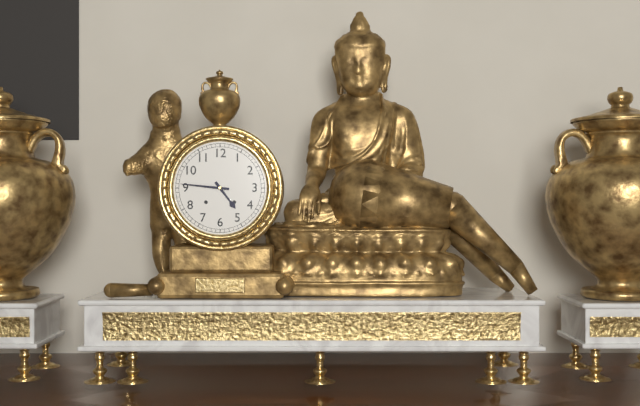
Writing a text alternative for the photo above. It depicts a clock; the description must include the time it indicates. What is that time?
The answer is 4:46
